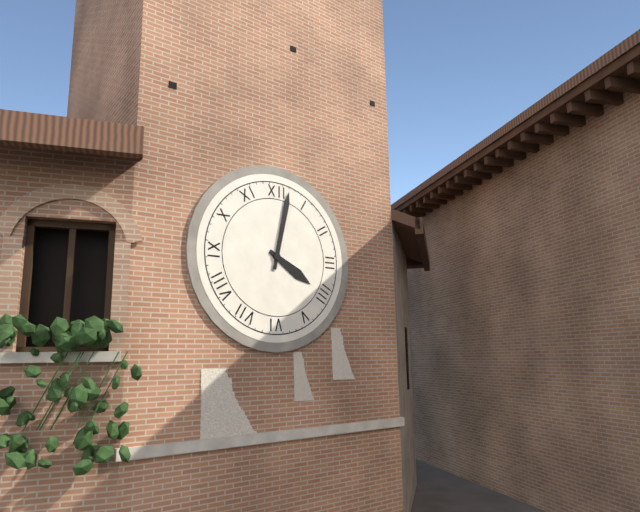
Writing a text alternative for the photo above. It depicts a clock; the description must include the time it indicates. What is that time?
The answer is 4:02
